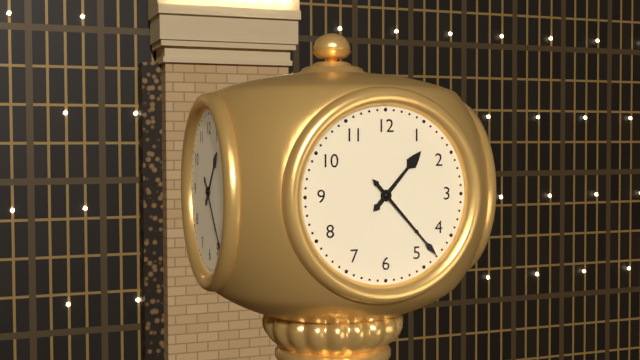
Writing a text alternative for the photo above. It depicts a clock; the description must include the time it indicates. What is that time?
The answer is 1:23
